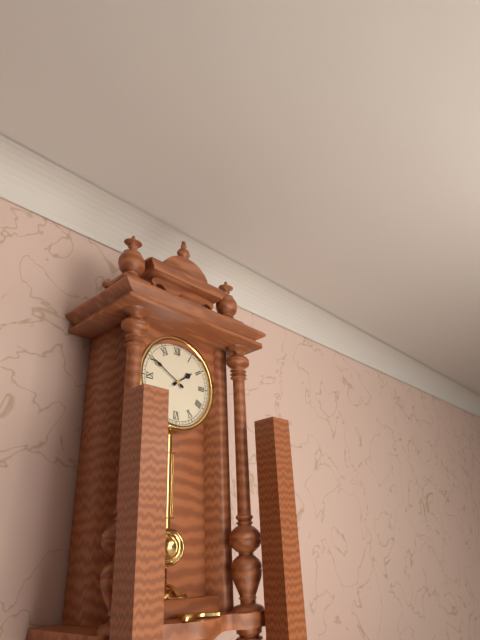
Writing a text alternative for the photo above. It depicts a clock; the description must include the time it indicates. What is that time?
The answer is 1:50
